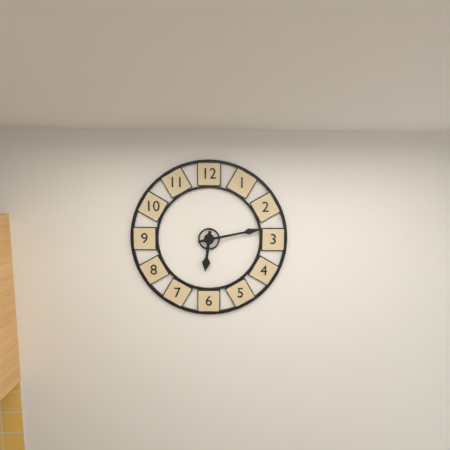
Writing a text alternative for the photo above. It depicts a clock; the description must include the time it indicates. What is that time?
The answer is 6:13
